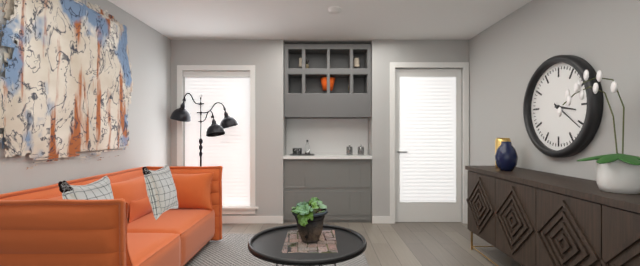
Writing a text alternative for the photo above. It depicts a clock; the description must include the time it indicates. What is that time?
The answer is 3:21
